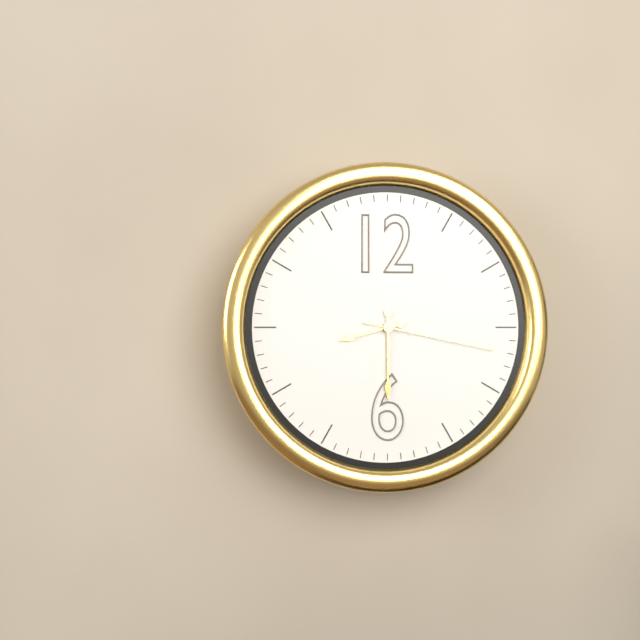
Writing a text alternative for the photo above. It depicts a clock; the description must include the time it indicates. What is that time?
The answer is 8:30:17
